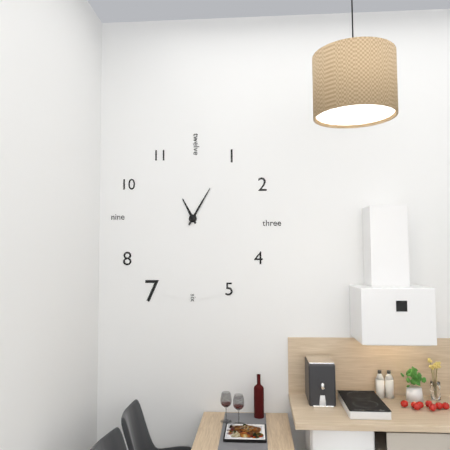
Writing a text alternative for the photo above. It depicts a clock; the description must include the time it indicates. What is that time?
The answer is 11:05
